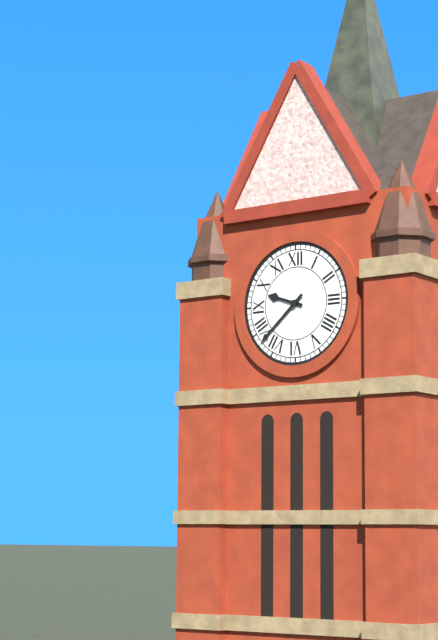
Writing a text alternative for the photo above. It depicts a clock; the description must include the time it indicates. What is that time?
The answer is 9:38
